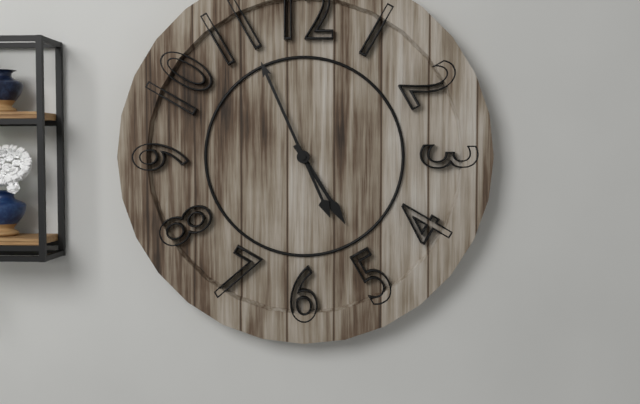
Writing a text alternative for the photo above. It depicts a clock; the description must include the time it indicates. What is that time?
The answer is 4:56
